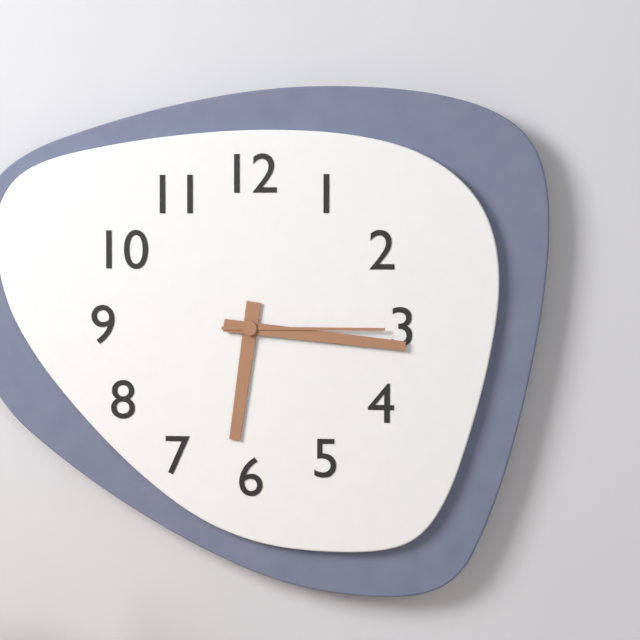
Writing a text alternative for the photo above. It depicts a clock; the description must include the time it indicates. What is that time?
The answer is 6:16:15
